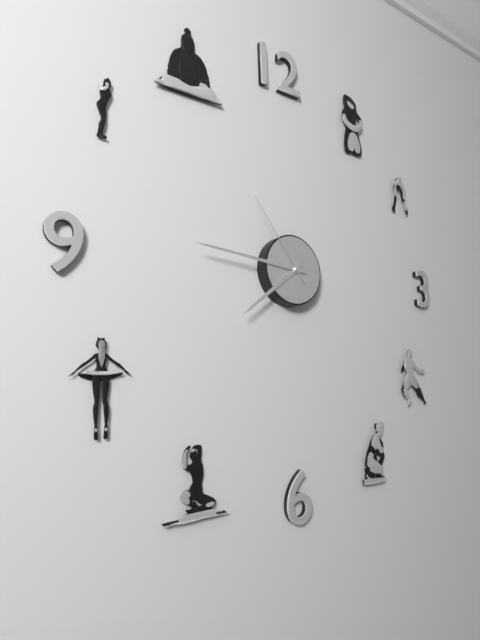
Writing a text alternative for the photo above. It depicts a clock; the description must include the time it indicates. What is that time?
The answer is 7:46:54
